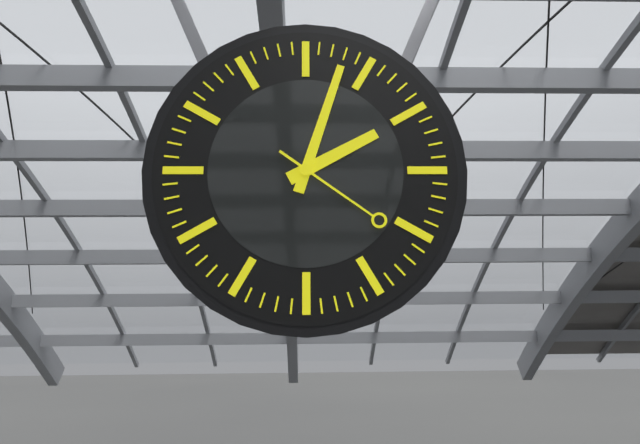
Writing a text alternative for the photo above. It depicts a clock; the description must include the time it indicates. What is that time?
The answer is 2:03:21
